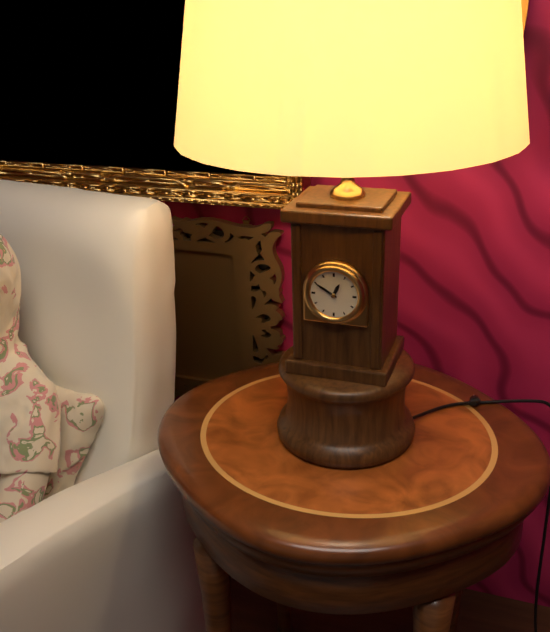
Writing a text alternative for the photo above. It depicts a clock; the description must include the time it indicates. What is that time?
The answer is 12:50
